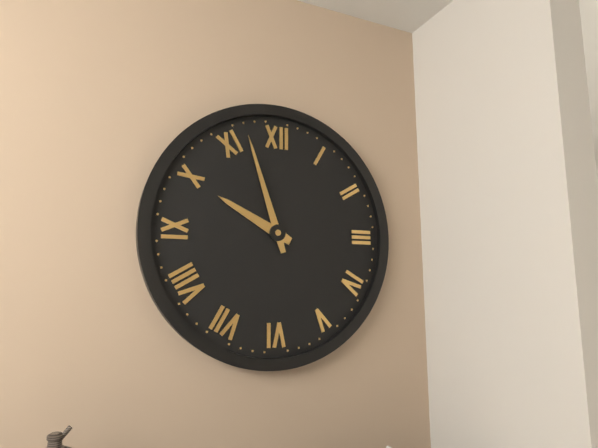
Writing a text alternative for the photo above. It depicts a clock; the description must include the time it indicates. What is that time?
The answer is 9:57
